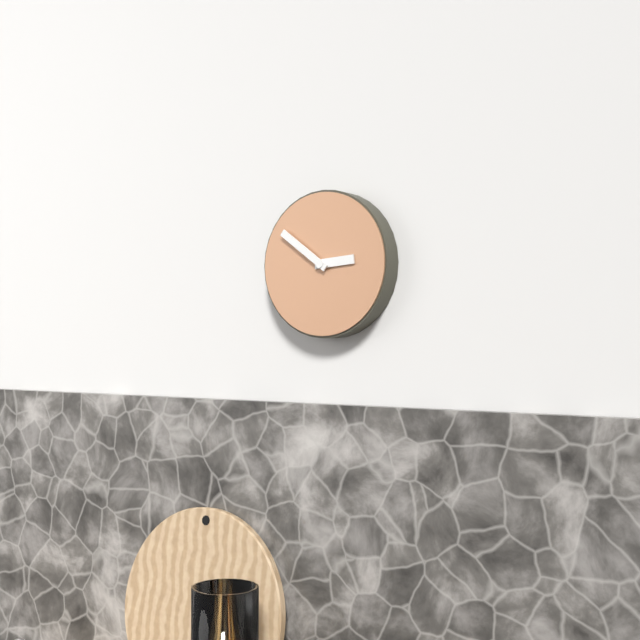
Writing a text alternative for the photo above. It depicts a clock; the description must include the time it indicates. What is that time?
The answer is 2:51
